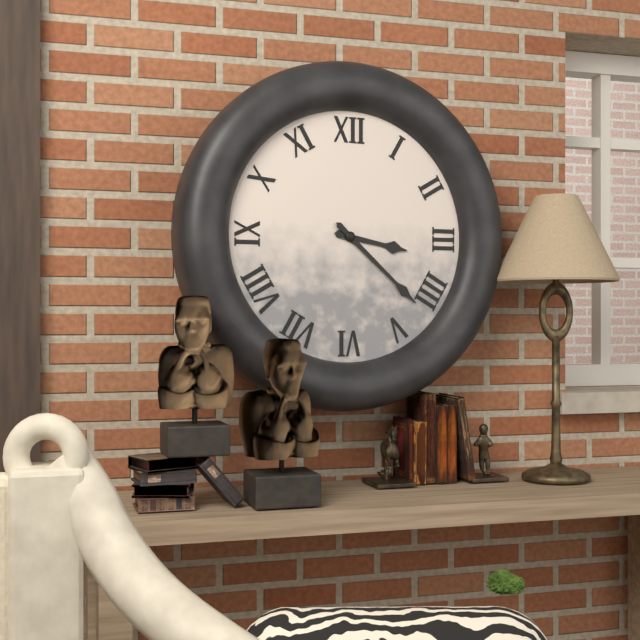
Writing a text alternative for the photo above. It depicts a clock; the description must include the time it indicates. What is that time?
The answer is 3:22
